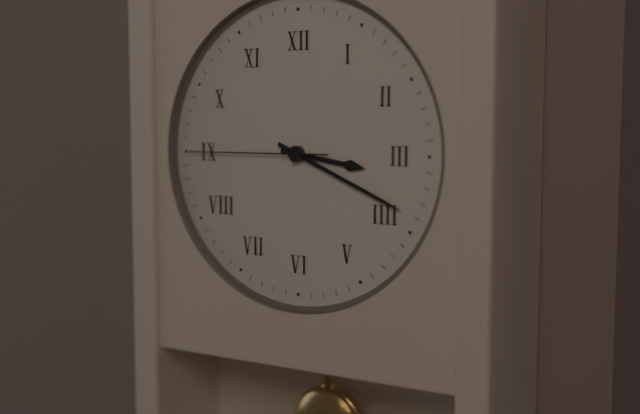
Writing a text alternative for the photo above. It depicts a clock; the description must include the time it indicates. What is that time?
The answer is 3:19:45
